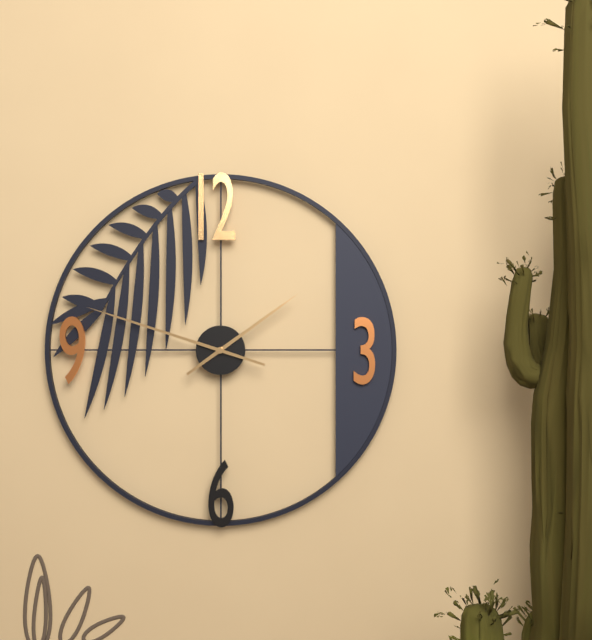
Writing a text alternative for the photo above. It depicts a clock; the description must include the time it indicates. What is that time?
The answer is 1:48
